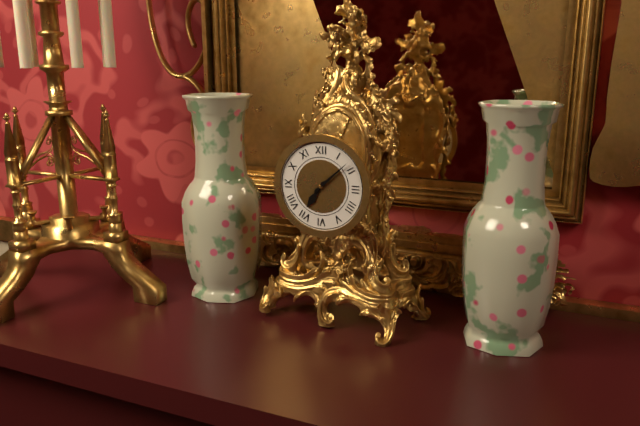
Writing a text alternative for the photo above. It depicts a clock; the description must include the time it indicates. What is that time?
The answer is 7:08
